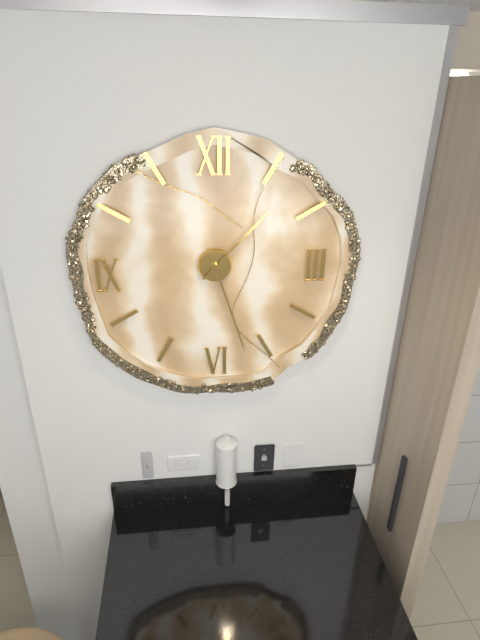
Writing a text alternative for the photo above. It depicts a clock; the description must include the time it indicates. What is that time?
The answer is 1:27
